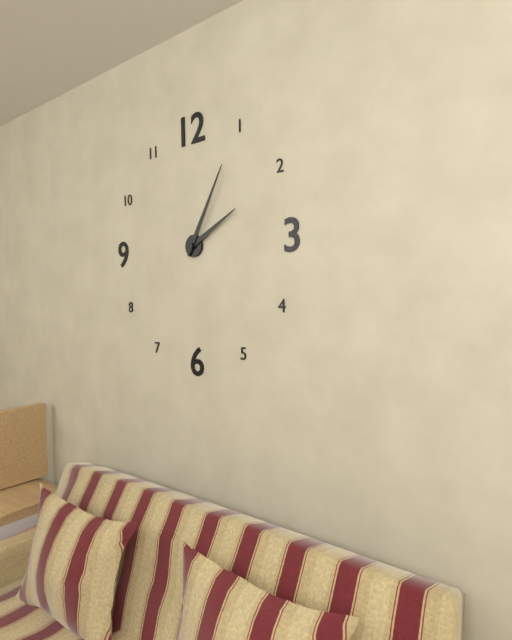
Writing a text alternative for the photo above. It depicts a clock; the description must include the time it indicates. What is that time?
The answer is 2:05
